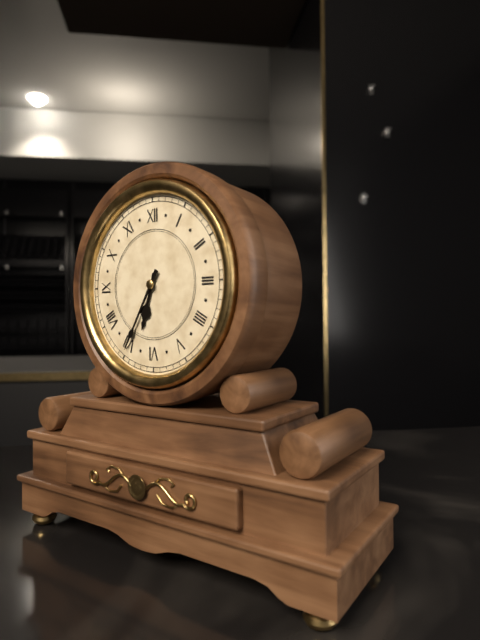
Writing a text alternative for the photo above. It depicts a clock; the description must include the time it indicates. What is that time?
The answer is 6:35
